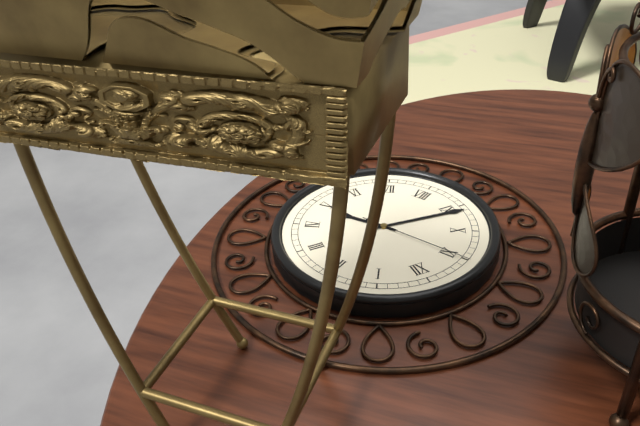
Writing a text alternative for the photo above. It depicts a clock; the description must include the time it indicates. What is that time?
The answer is 4:46:55
